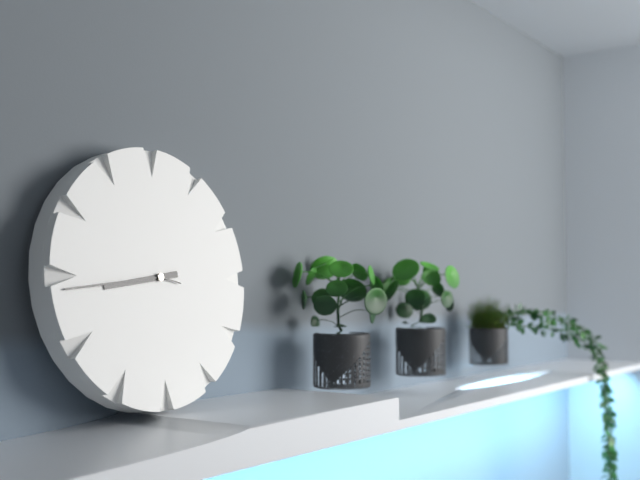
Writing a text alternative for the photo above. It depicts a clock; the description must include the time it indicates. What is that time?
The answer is 8:44
